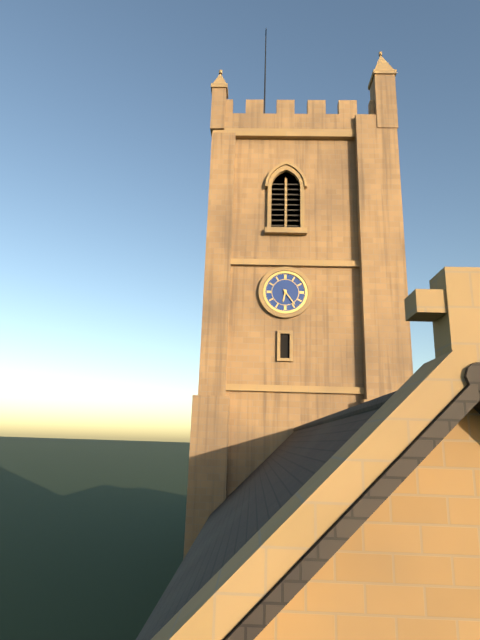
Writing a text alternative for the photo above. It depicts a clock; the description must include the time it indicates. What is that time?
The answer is 6:24
